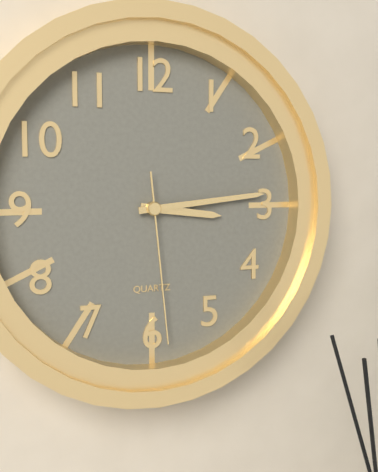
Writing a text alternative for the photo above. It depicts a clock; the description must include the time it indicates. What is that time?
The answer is 3:14:29
